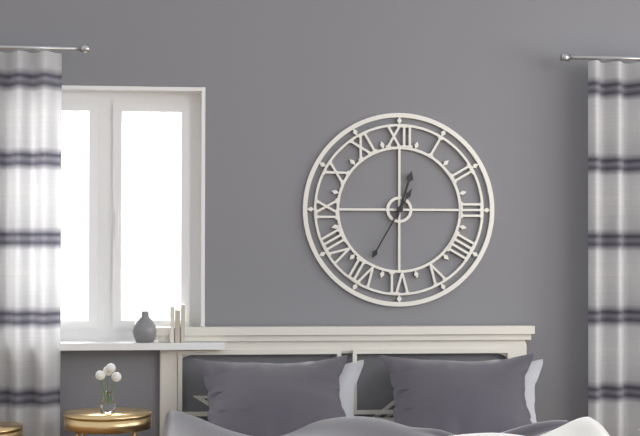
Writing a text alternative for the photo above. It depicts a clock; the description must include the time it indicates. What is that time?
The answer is 12:35
